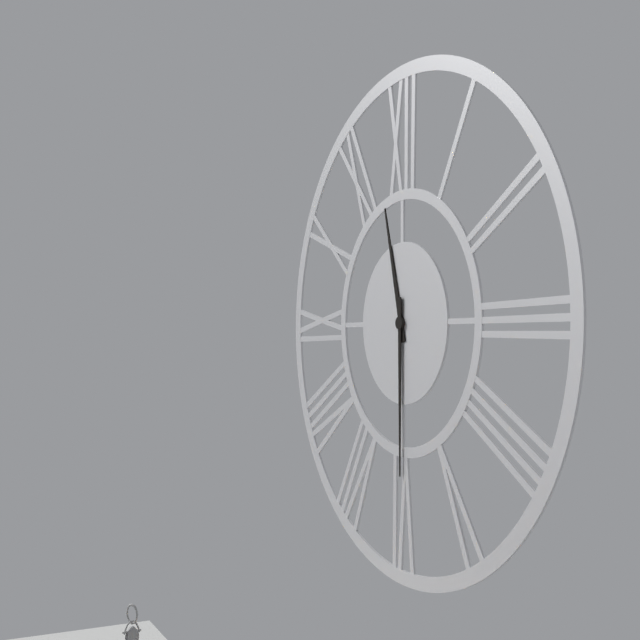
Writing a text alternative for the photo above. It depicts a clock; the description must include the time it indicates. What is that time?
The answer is 11:30
